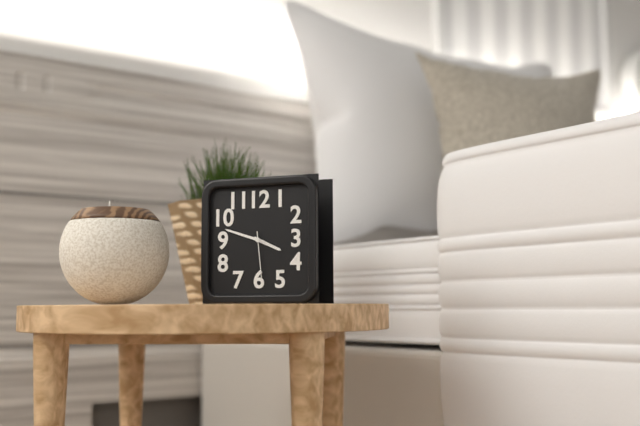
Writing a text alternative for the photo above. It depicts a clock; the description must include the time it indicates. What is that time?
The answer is 3:48:29
